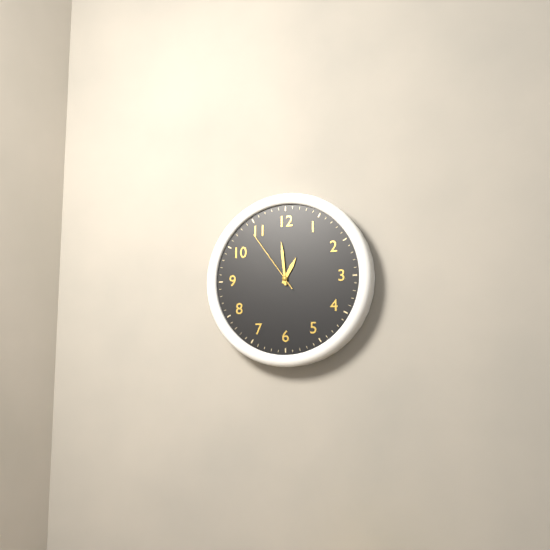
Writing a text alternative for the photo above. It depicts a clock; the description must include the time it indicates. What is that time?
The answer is 12:59:54
